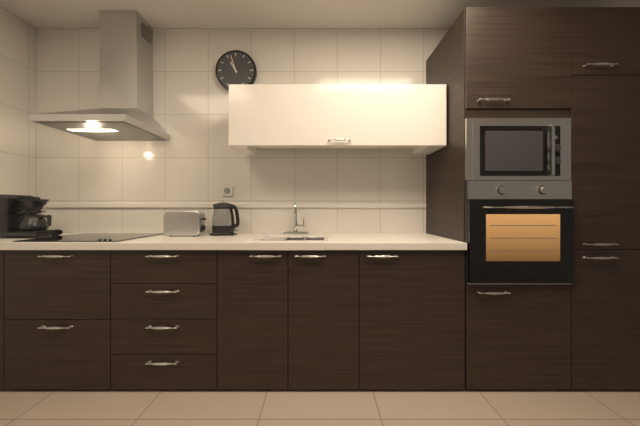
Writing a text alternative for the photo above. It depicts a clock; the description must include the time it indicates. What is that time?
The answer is 10:57
